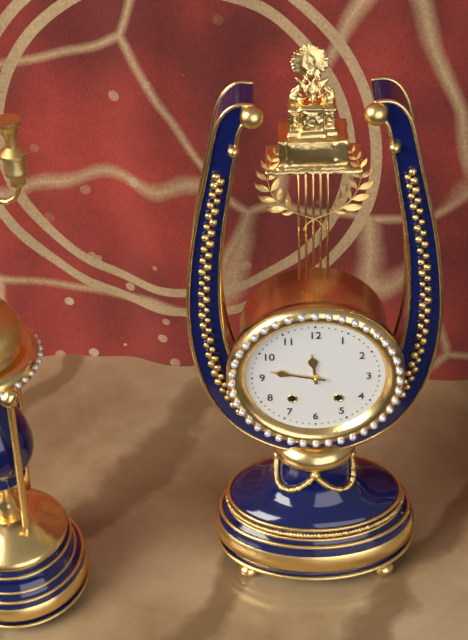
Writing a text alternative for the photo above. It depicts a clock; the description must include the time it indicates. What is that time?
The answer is 11:47
